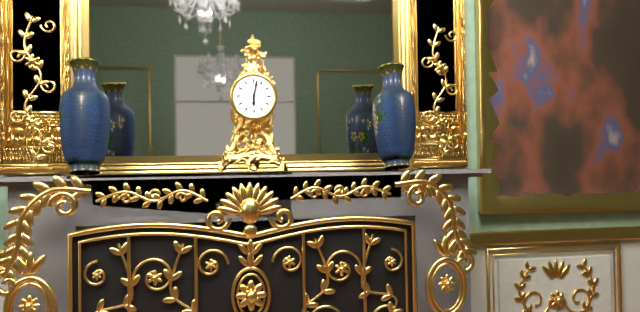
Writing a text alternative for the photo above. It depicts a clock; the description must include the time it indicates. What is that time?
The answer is 6:02
